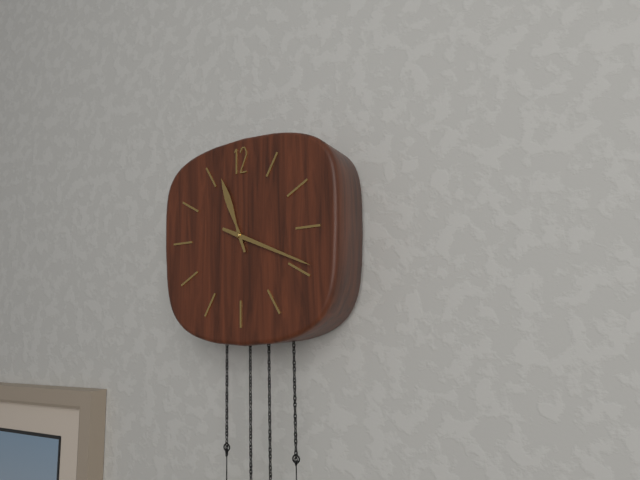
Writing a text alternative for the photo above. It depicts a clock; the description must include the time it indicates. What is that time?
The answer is 11:19
